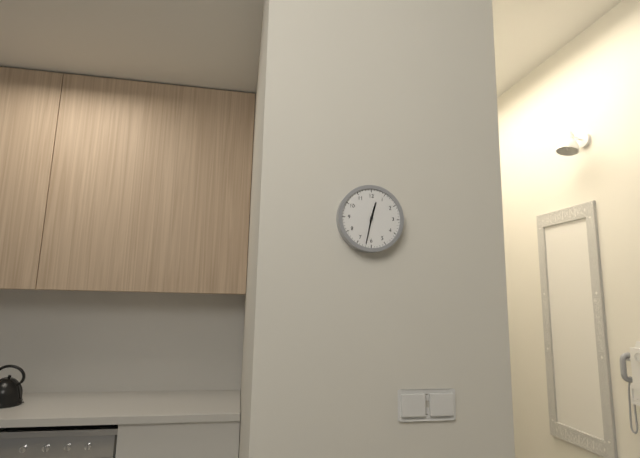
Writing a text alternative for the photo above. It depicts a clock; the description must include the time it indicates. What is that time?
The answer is 12:32
